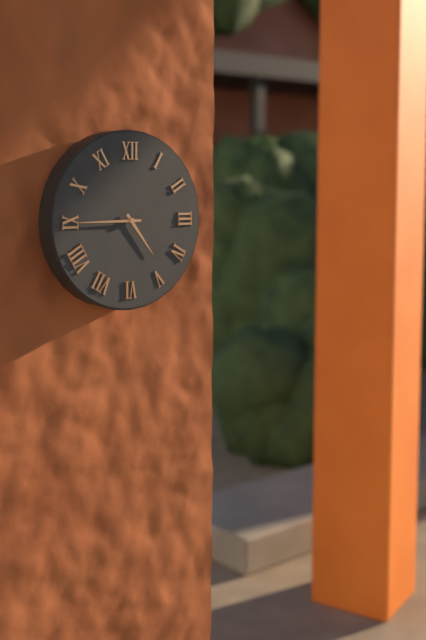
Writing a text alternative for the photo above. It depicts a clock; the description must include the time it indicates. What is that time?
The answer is 4:45
